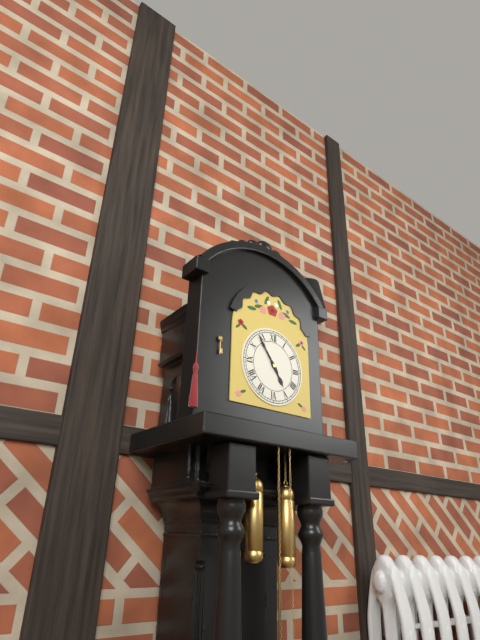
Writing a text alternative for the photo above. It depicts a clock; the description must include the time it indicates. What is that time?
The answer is 4:54
